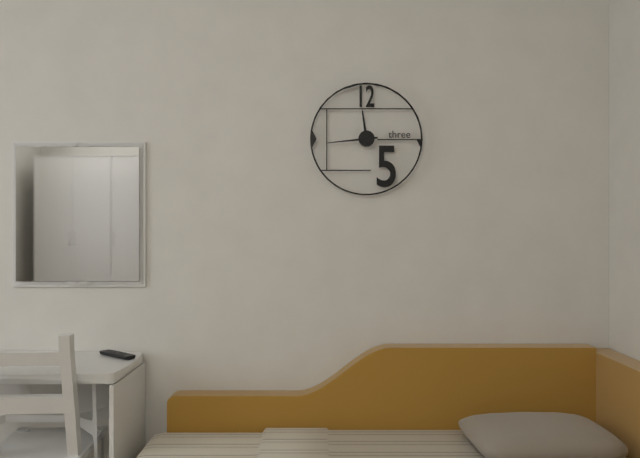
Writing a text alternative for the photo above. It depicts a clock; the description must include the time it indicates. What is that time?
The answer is 11:44
